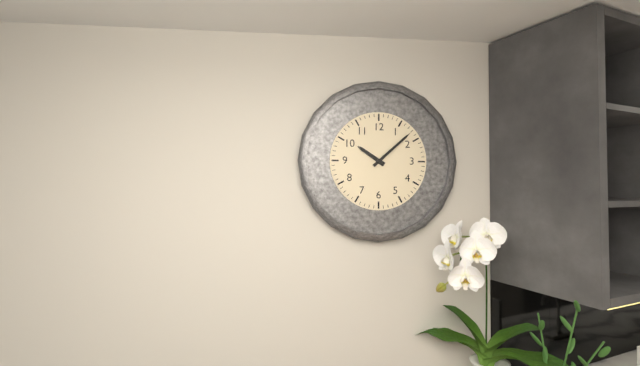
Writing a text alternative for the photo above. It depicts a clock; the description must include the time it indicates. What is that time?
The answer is 10:08
